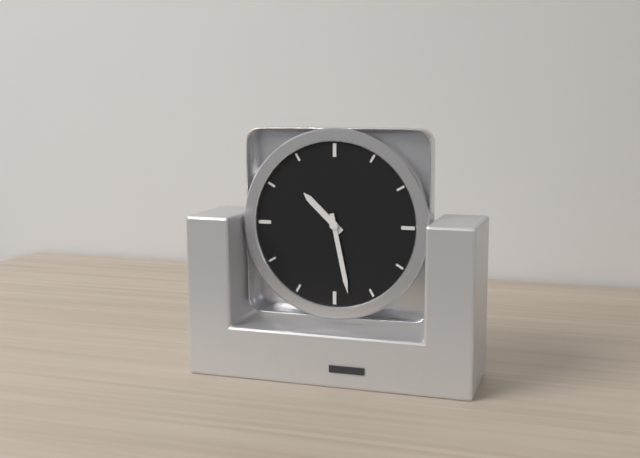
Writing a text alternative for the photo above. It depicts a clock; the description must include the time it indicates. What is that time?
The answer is 10:28
